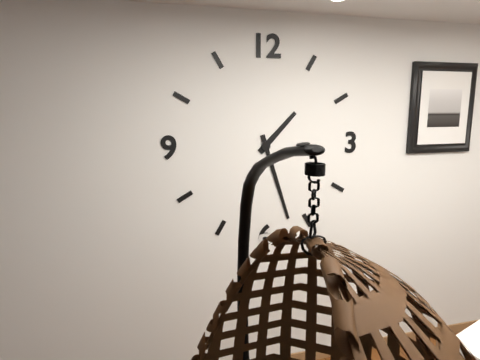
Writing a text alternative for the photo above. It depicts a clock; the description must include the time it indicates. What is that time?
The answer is 1:27
